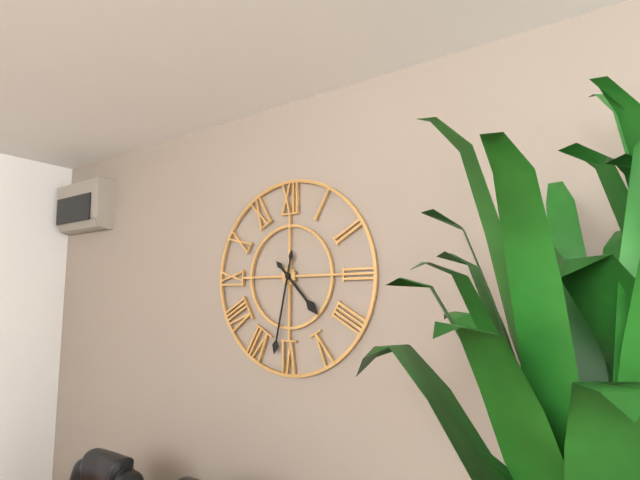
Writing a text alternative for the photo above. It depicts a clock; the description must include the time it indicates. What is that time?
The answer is 4:32
